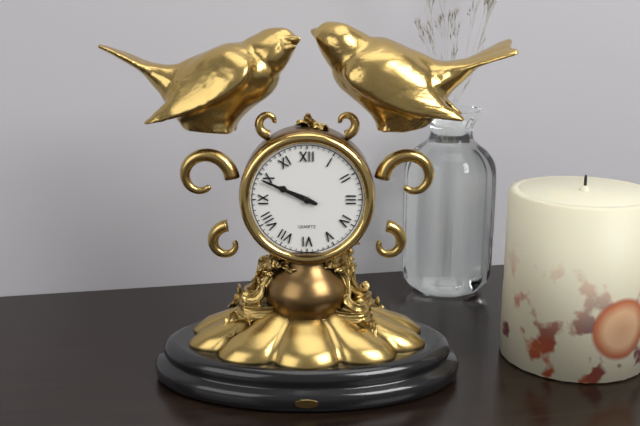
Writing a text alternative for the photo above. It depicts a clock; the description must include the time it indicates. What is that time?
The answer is 9:49
